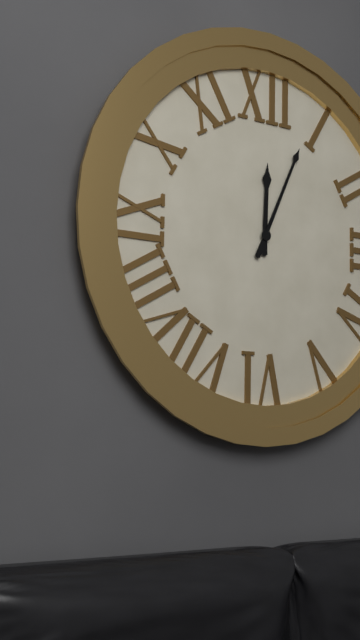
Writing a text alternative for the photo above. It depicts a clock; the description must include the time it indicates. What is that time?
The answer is 12:04
